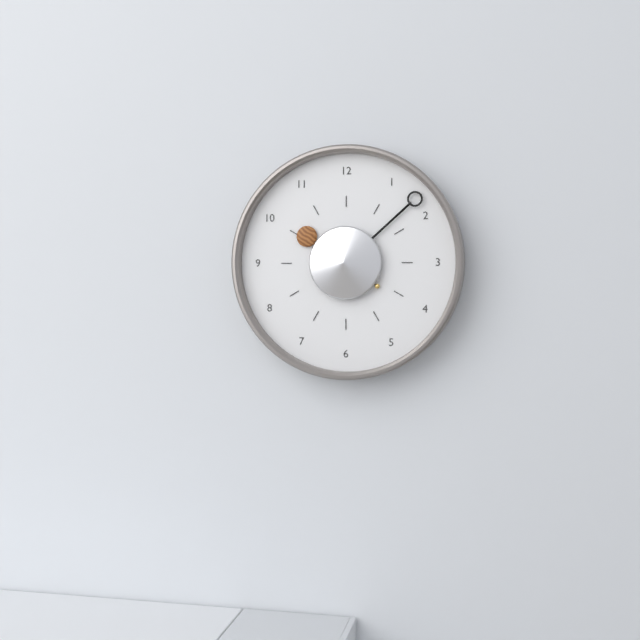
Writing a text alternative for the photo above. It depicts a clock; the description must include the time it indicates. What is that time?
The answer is 10:08
